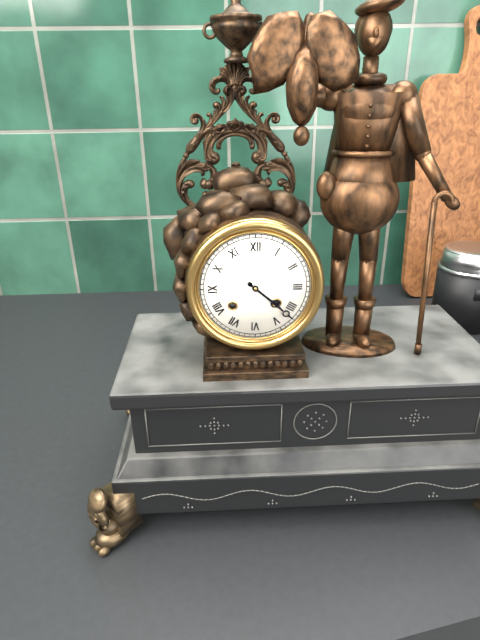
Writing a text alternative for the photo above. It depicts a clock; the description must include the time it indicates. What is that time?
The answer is 4:22
